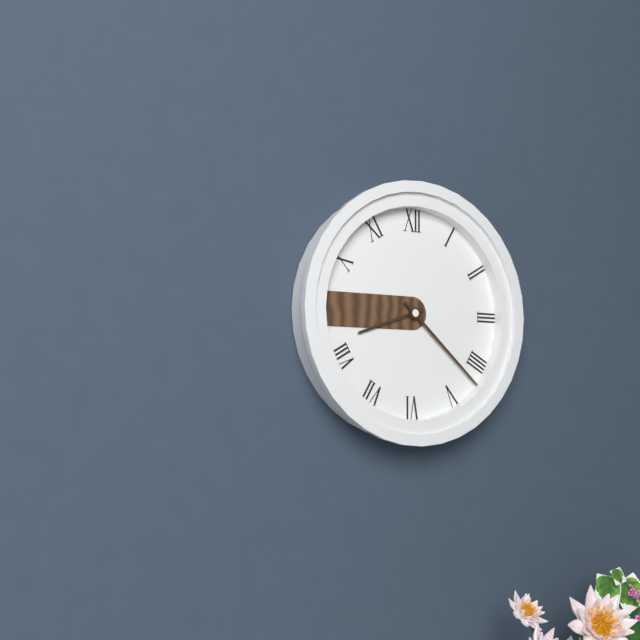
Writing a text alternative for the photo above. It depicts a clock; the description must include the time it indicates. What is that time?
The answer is 8:22
